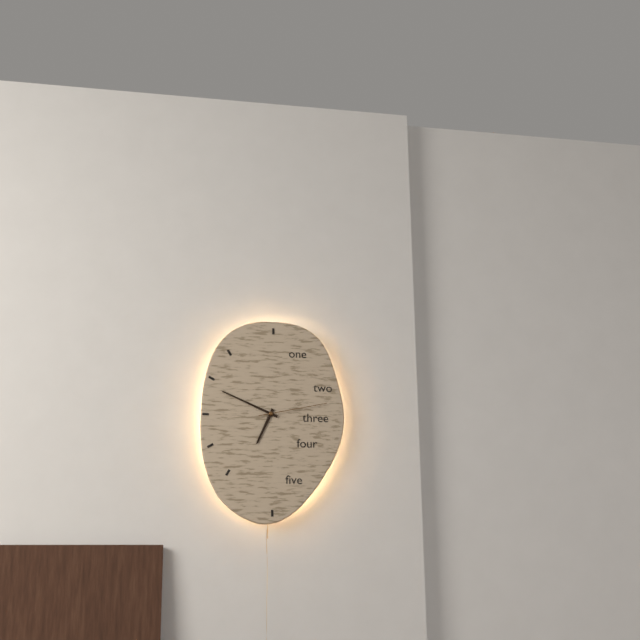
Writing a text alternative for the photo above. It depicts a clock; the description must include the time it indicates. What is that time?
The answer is 6:49:13
